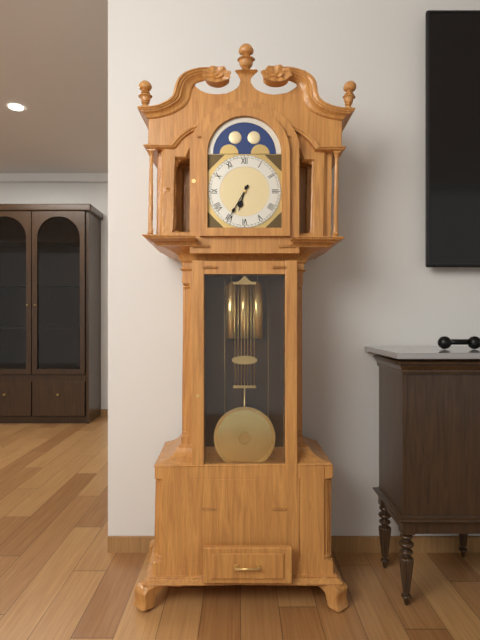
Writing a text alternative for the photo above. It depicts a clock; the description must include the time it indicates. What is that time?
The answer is 6:35
